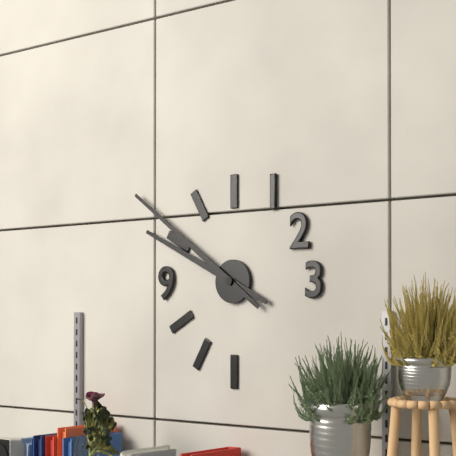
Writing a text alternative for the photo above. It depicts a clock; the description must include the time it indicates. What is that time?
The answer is 9:51
